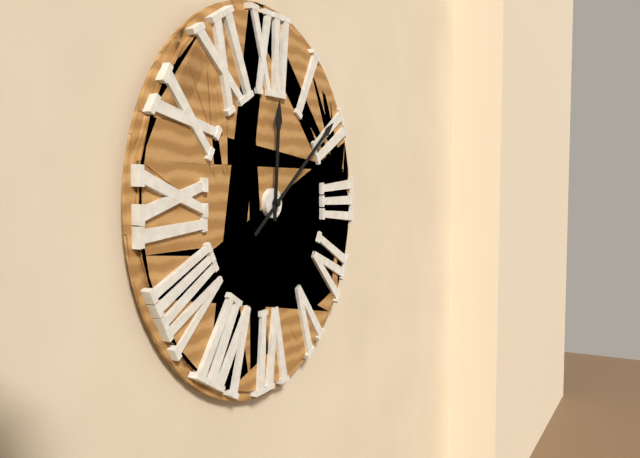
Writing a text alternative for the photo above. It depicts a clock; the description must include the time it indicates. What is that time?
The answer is 12:09
